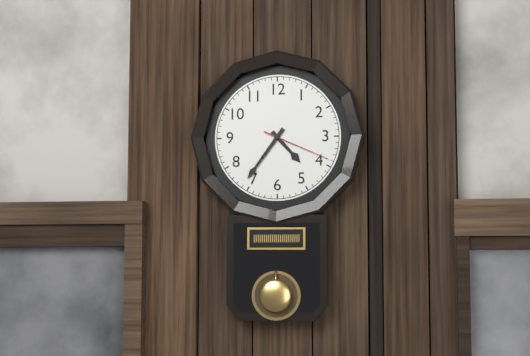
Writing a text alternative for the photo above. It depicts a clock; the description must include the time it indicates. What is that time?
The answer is 4:36:19
